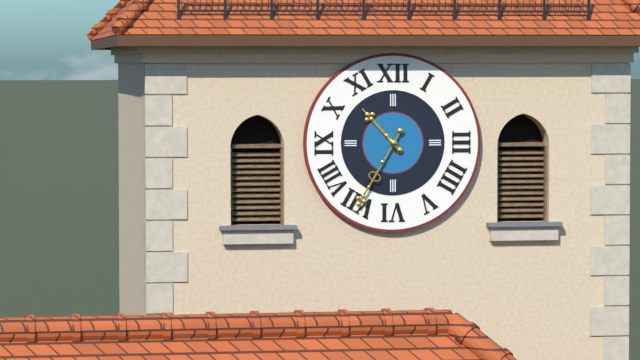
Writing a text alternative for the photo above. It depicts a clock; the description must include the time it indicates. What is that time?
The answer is 10:35
